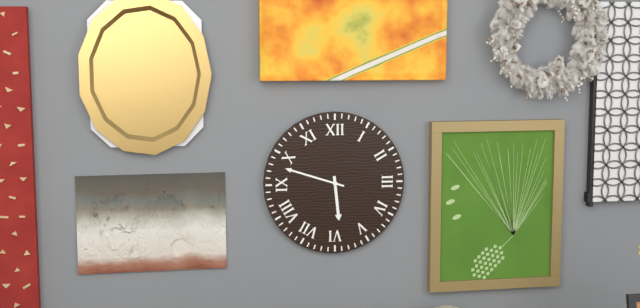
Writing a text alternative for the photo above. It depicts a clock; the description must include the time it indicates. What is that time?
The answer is 5:48
